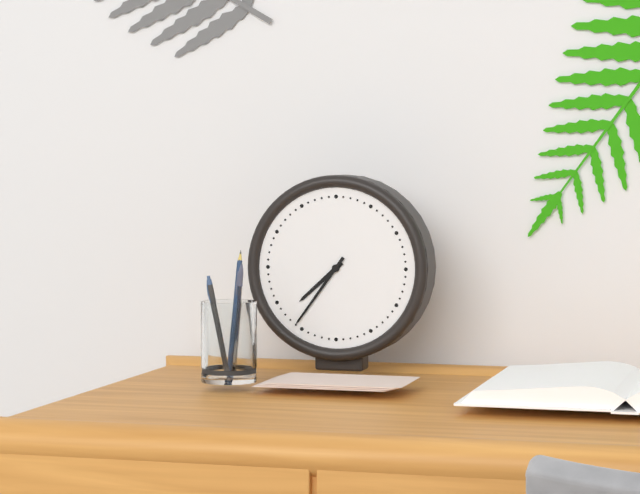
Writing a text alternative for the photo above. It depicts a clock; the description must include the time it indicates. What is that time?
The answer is 7:36
